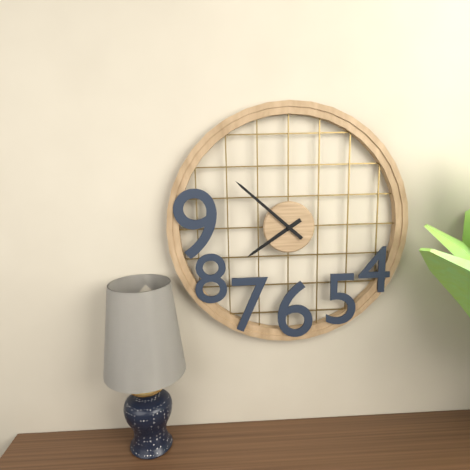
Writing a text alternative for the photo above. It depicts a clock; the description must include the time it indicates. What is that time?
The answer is 7:52
